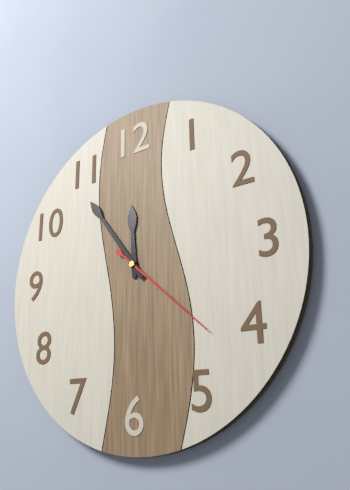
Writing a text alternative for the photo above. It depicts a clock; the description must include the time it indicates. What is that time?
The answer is 11:54:22
